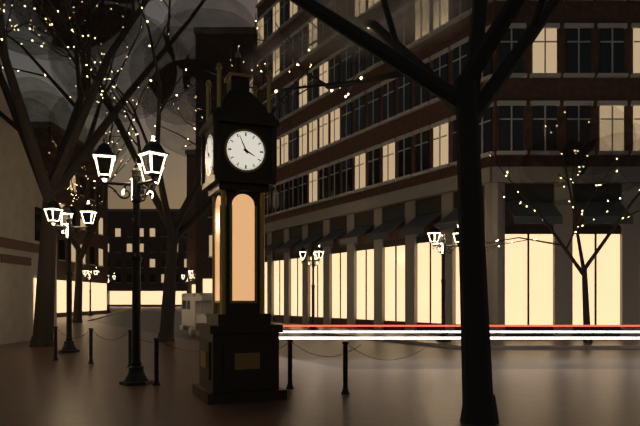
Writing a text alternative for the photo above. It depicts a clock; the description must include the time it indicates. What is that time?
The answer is 3:56
